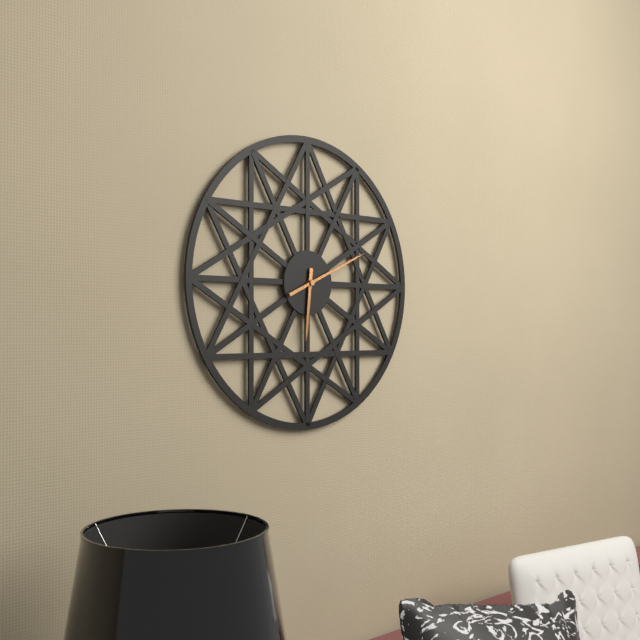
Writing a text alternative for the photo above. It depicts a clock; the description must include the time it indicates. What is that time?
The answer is 6:11
